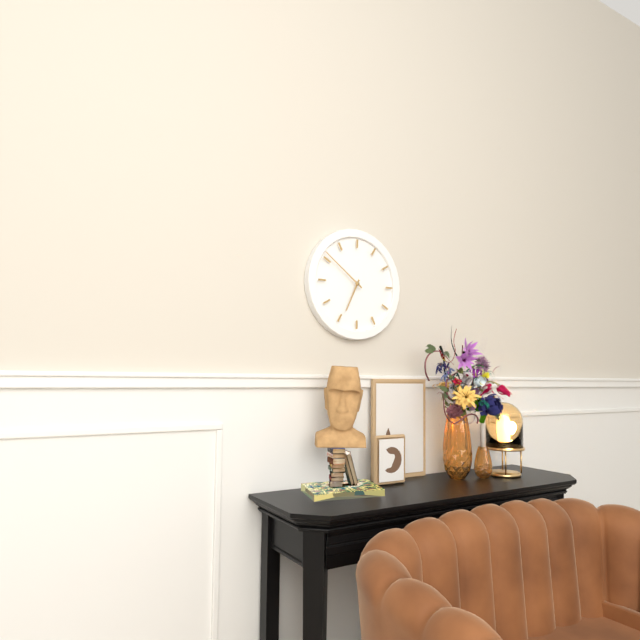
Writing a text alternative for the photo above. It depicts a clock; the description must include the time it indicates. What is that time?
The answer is 6:51
